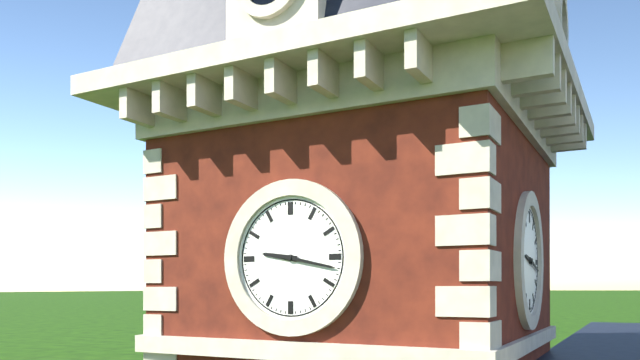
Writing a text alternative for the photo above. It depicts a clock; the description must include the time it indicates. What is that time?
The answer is 9:17
